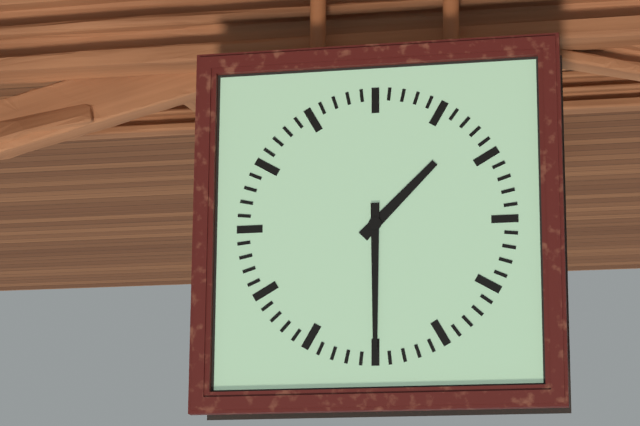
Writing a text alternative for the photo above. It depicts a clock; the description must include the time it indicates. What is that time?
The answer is 1:30
